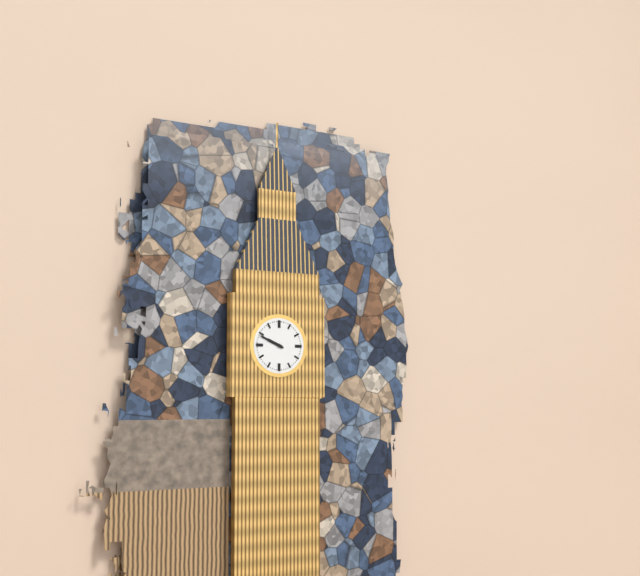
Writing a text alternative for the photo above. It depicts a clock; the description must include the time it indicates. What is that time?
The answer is 9:49
